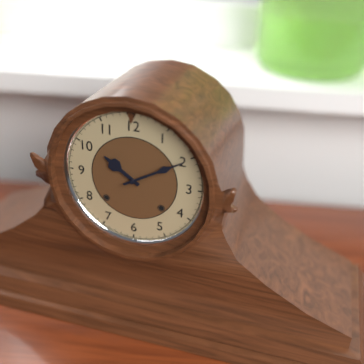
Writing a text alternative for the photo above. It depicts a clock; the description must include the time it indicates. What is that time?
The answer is 10:10
